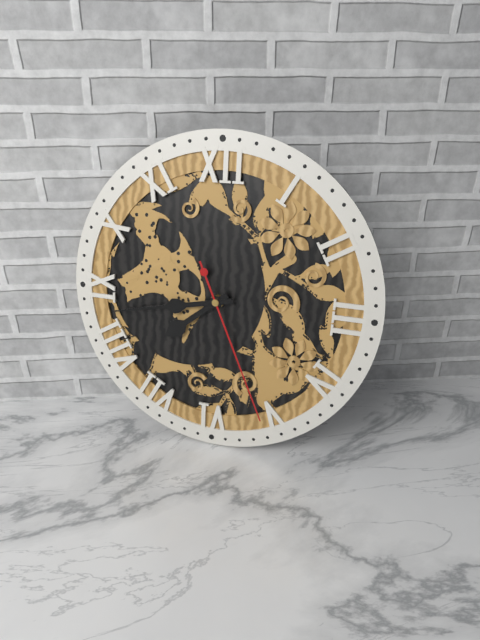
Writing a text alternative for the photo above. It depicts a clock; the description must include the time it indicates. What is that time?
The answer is 7:43:26
